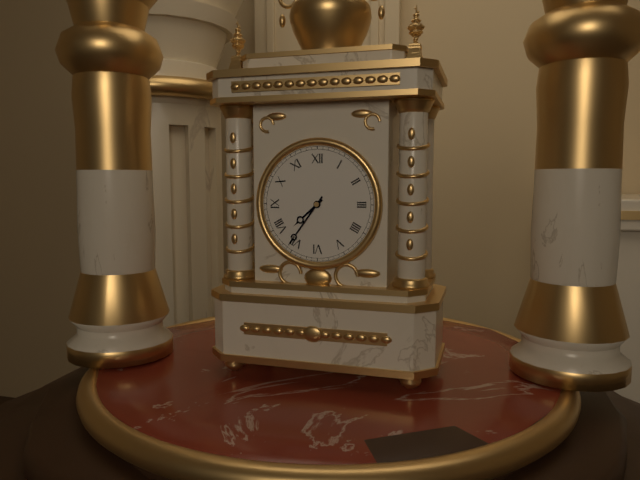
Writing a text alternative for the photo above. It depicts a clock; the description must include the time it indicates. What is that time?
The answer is 7:36
